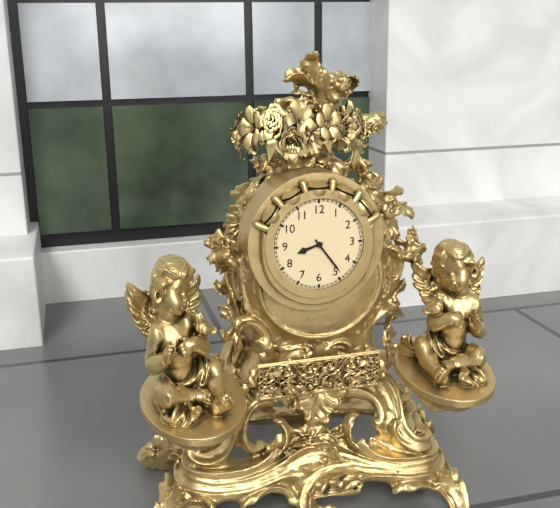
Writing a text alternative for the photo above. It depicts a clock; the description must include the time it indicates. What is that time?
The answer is 8:24
